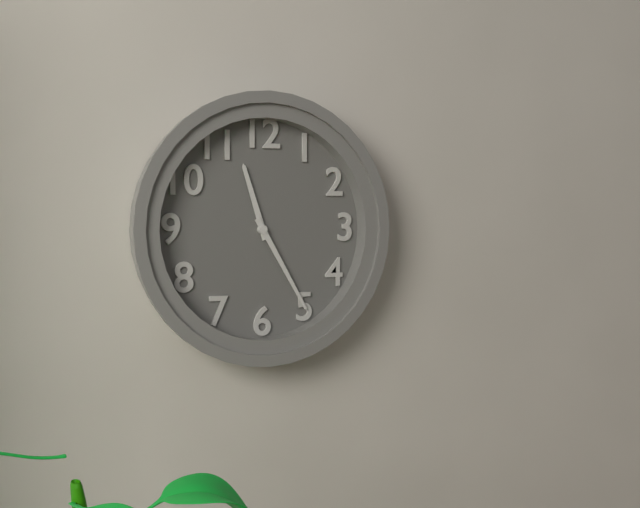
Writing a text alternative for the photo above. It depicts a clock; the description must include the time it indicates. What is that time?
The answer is 11:25
